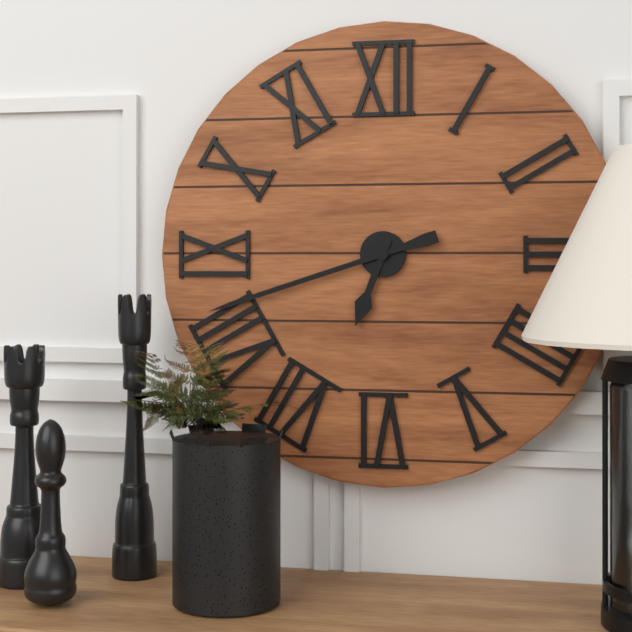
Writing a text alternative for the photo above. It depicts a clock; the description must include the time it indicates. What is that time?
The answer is 6:42
